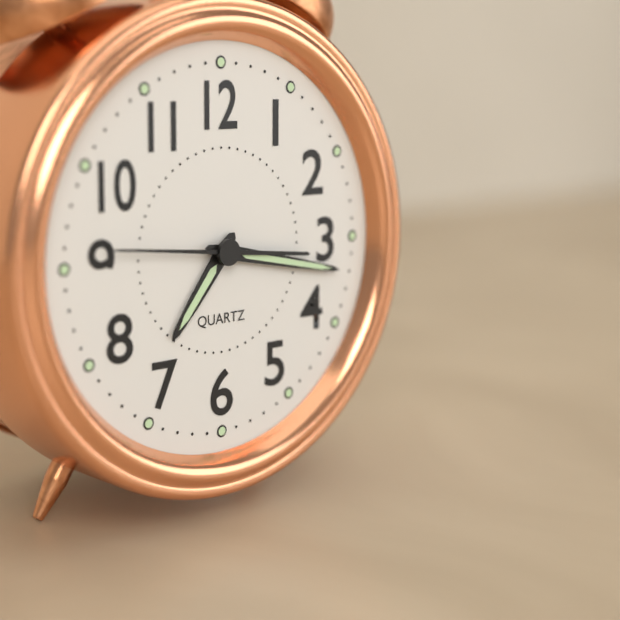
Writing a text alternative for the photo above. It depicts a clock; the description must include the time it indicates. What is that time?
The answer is 7:17:46
